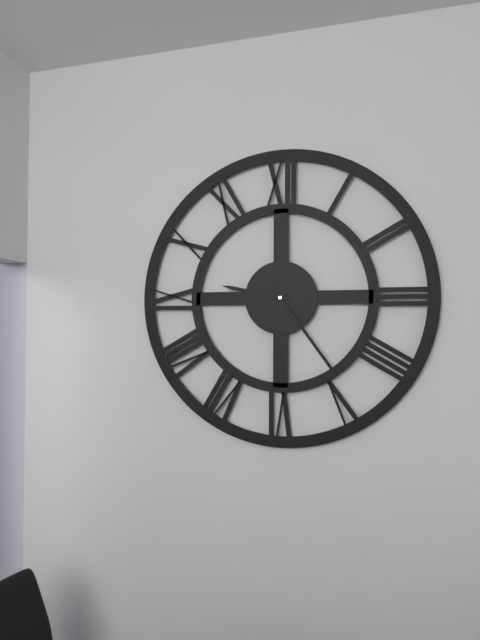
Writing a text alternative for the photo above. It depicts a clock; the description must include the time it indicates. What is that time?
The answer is 9:24
